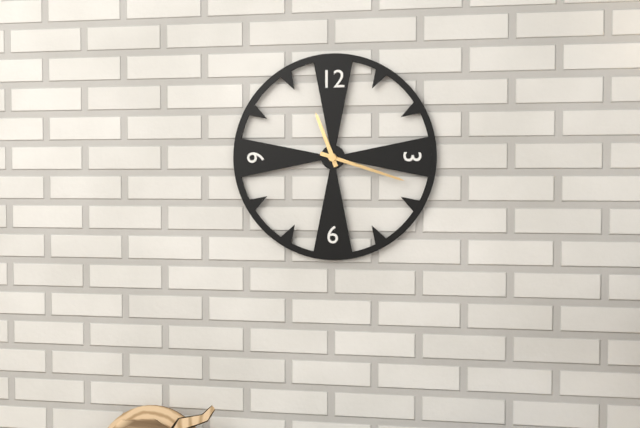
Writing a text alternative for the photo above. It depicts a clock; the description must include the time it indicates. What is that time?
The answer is 11:18
